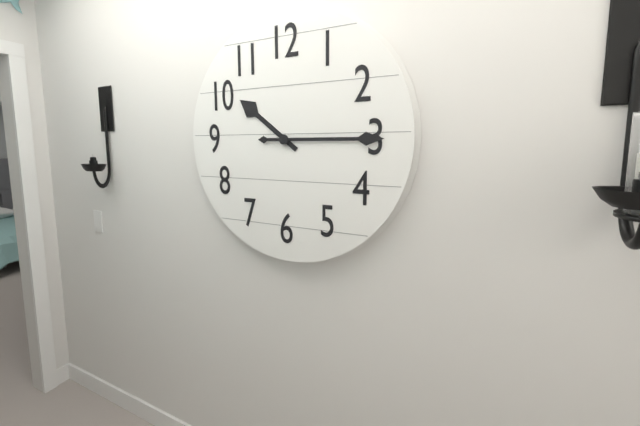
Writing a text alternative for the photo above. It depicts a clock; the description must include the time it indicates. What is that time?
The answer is 10:15
